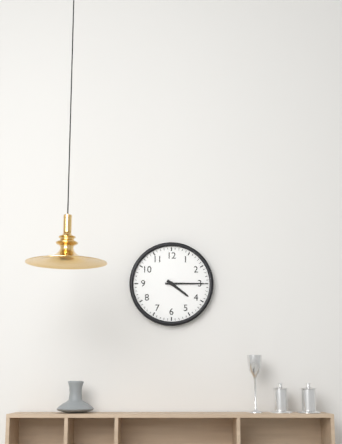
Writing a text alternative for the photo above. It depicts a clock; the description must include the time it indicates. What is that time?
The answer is 4:15
